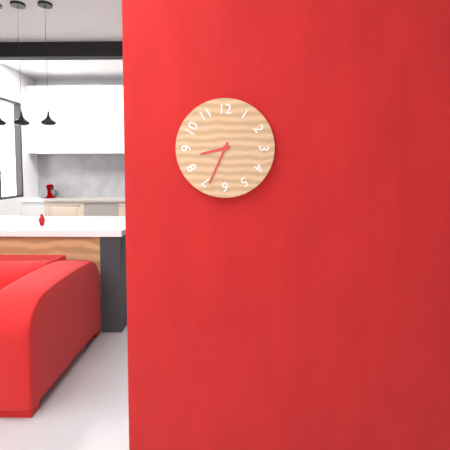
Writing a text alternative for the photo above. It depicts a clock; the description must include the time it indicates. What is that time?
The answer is 8:34
